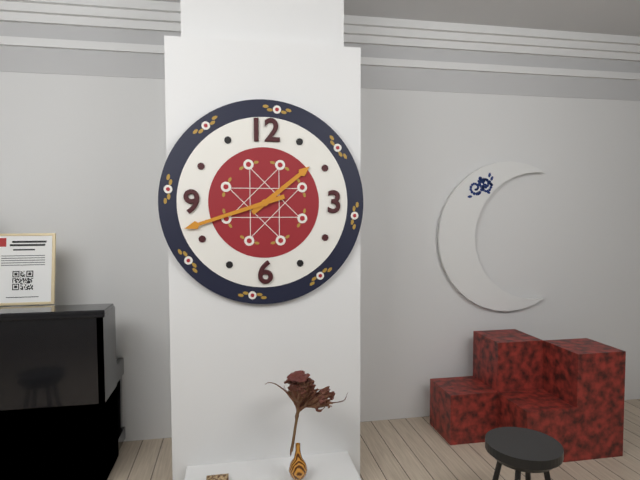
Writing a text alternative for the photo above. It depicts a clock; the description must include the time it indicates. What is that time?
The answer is 1:42
